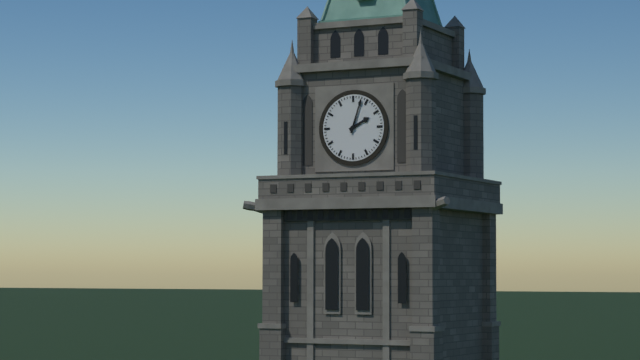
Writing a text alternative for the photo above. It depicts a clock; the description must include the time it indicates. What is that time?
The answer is 2:03
